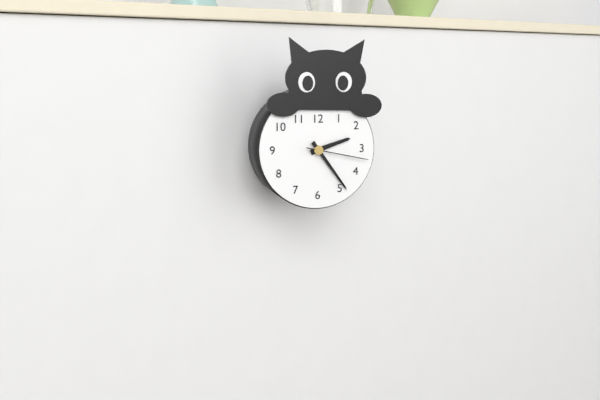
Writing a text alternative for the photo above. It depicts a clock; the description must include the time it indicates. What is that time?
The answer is 2:24:17
